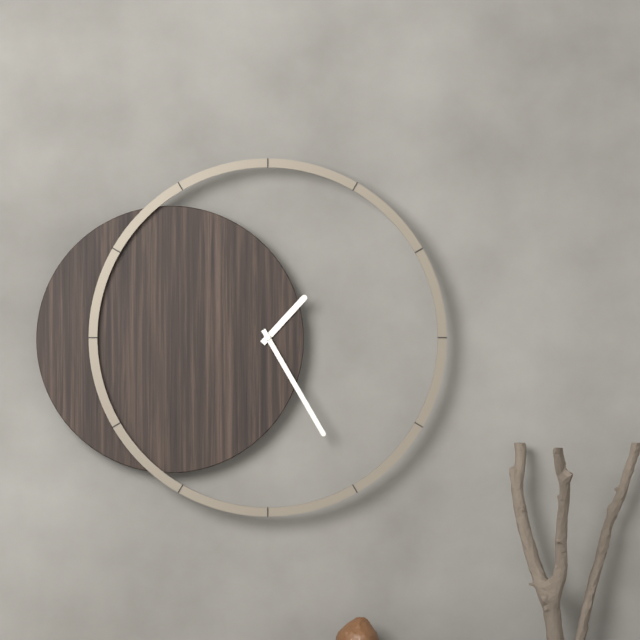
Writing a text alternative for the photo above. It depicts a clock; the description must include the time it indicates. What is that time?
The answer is 1:25
